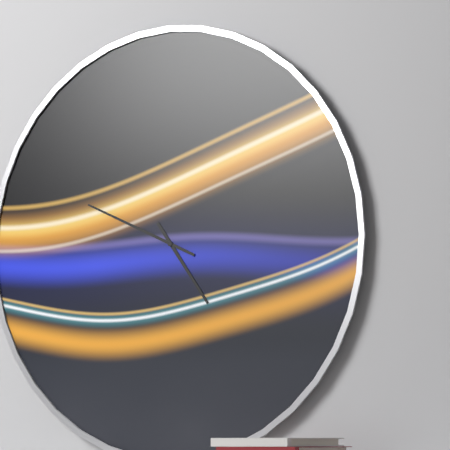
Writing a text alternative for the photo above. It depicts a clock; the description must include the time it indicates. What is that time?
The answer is 4:49
